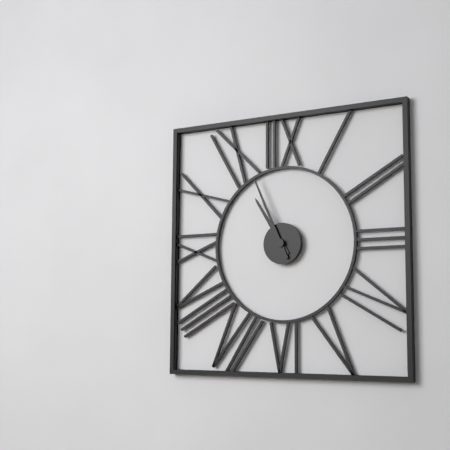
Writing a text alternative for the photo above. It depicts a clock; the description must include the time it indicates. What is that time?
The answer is 10:56
